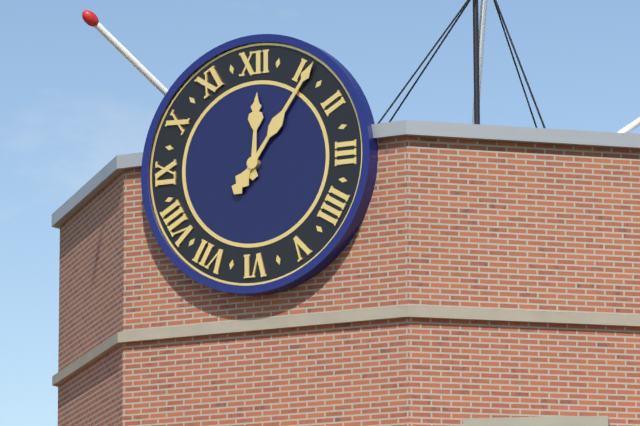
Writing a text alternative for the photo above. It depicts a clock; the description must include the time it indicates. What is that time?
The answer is 12:06
